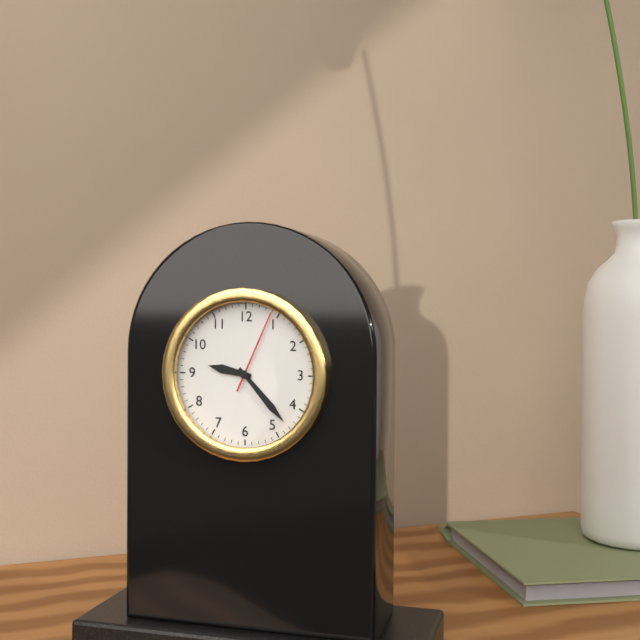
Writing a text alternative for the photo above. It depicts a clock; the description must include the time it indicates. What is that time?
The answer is 9:23:04
